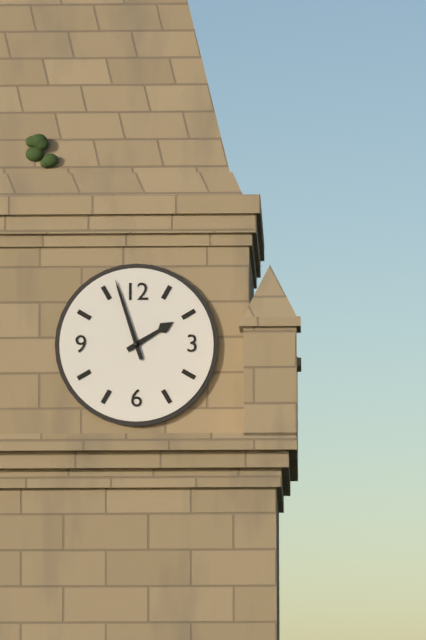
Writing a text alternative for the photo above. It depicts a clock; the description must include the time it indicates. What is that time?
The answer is 1:57
